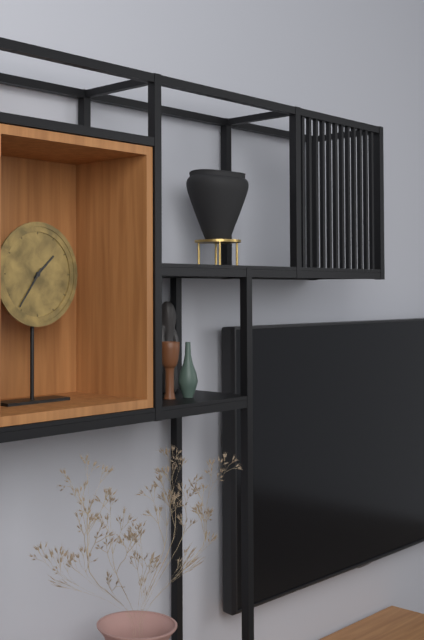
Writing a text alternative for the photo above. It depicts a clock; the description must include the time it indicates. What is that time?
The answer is 1:36
